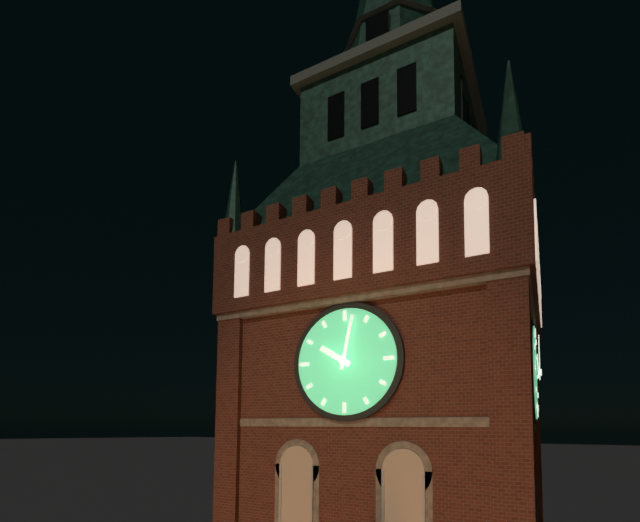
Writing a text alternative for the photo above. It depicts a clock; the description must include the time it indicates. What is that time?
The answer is 10:02
